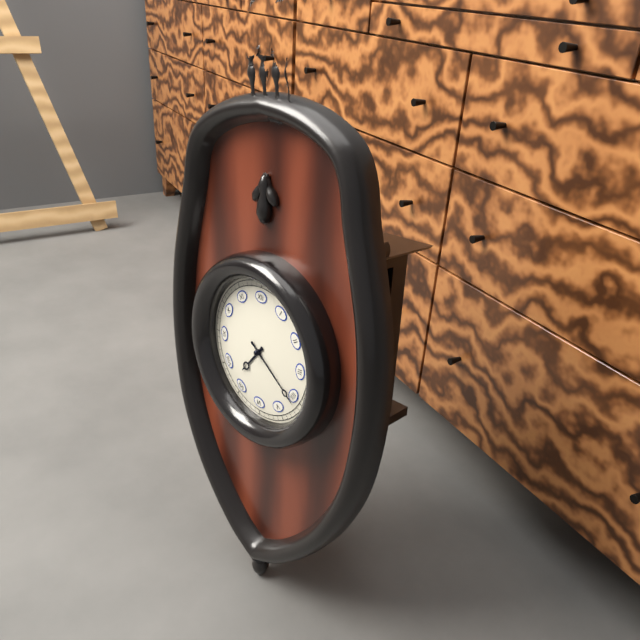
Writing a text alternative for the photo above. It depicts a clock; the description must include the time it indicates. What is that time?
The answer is 7:21
